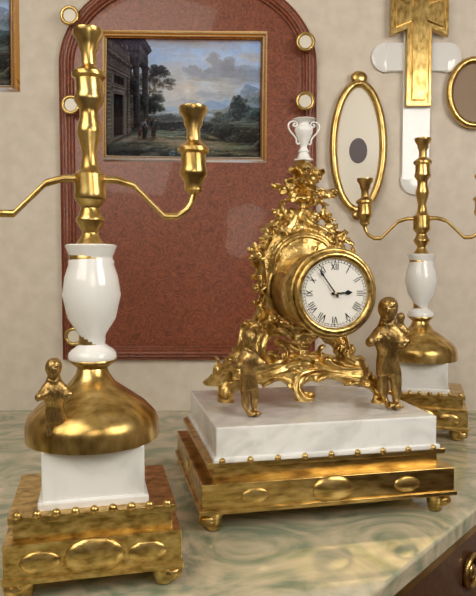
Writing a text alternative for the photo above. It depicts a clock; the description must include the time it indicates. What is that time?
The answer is 2:54
